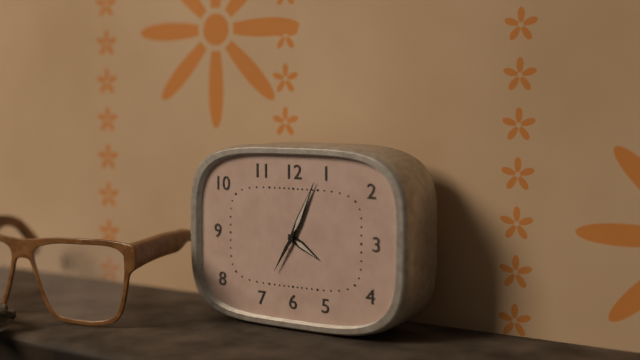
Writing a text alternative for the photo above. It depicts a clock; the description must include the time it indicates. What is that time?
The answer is 4:04
